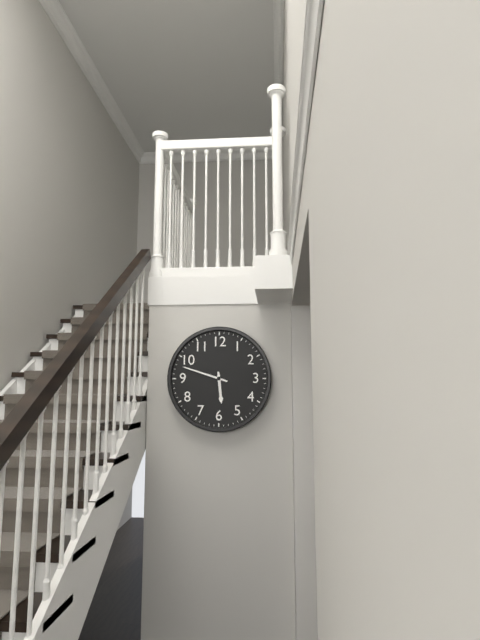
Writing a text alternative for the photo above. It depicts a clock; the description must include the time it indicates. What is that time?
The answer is 5:48
